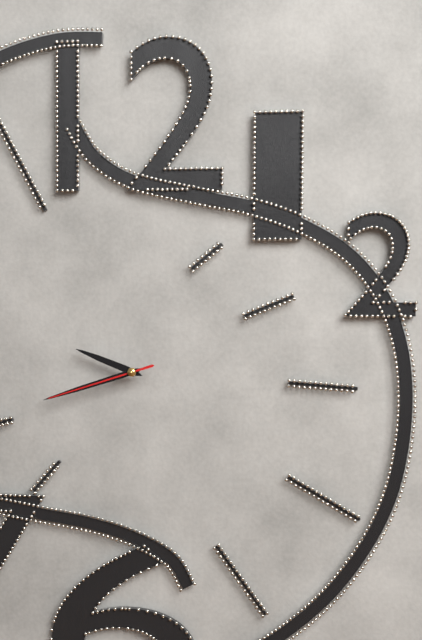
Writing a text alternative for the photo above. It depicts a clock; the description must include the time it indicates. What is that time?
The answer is 9:42:42
